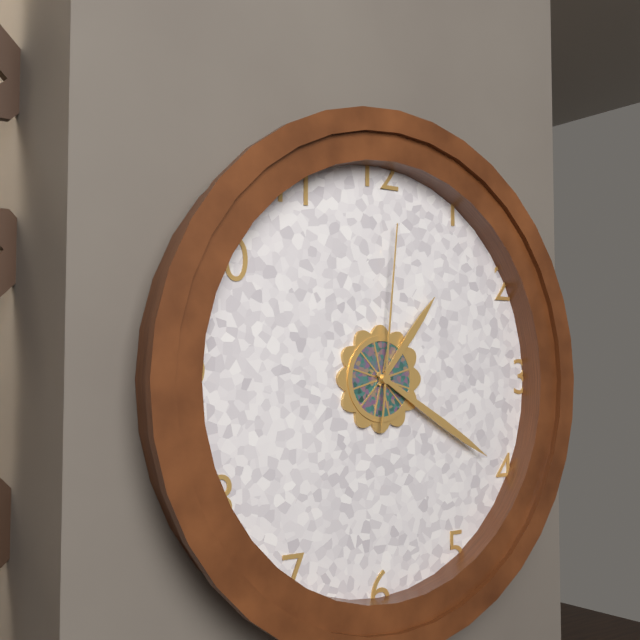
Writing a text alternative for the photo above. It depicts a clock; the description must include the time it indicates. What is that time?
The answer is 1:20:01
